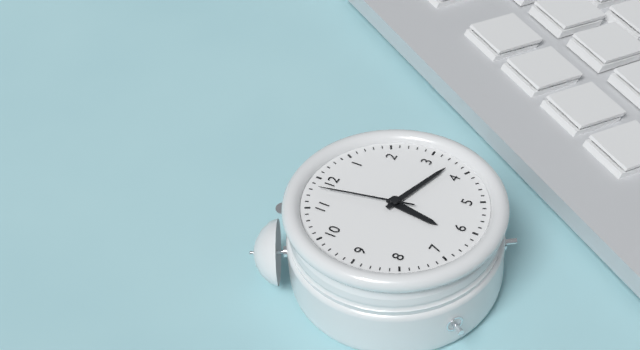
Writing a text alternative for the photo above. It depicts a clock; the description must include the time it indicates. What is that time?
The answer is 6:18:58
